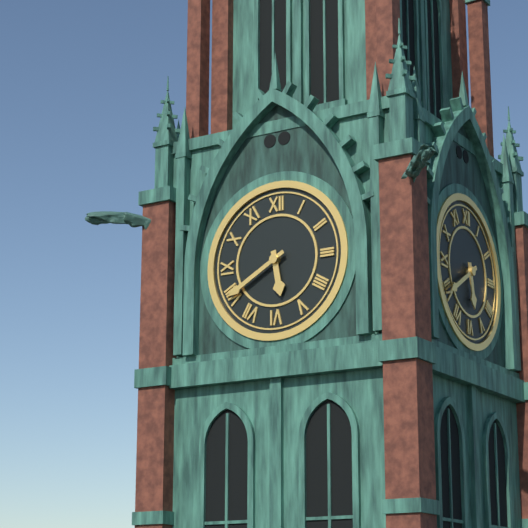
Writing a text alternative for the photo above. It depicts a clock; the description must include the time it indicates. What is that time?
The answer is 5:40
